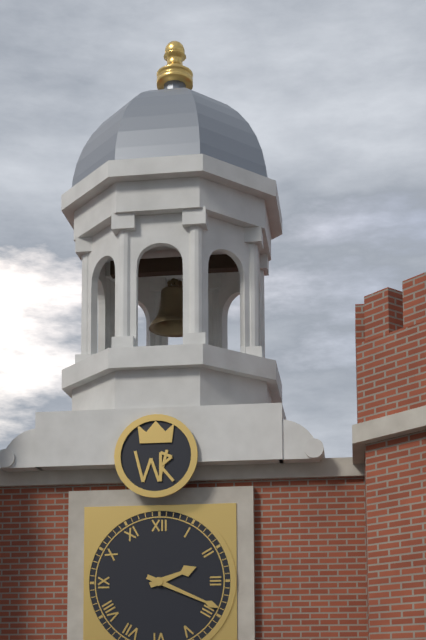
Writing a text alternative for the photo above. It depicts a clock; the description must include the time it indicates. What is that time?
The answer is 2:19
